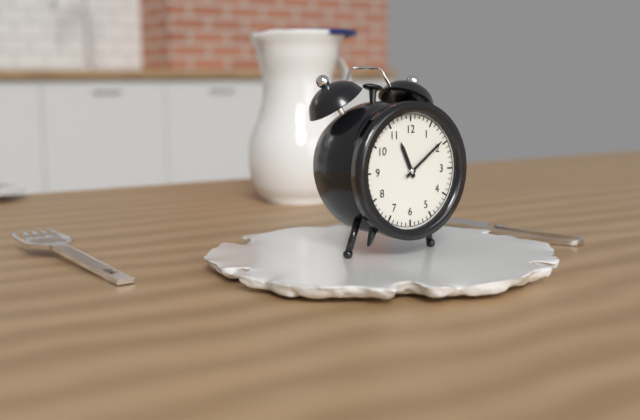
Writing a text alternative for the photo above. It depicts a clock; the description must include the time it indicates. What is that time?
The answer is 11:09
